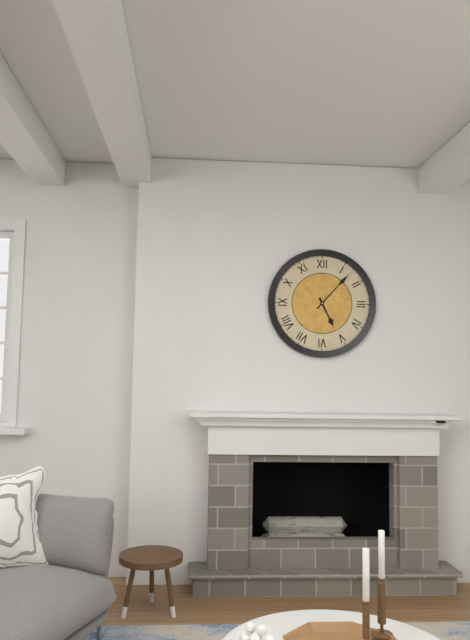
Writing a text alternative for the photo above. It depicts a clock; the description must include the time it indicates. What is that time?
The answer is 5:07
